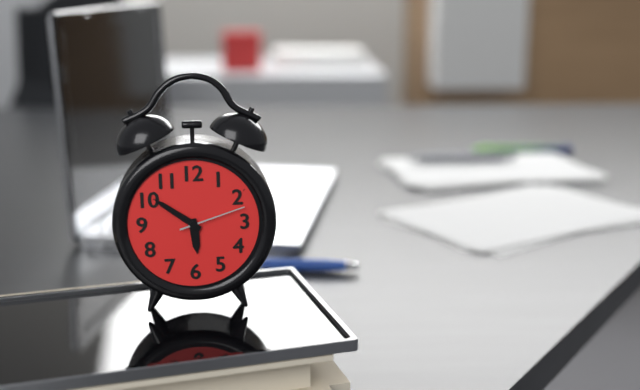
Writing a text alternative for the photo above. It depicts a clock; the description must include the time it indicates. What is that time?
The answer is 5:51:12
